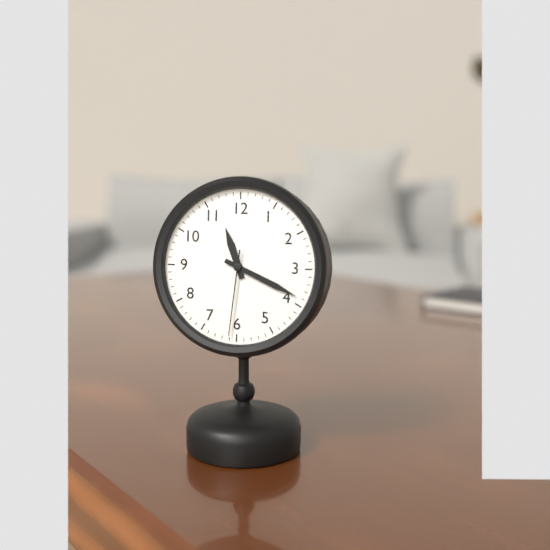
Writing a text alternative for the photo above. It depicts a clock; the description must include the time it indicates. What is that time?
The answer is 11:19:31
